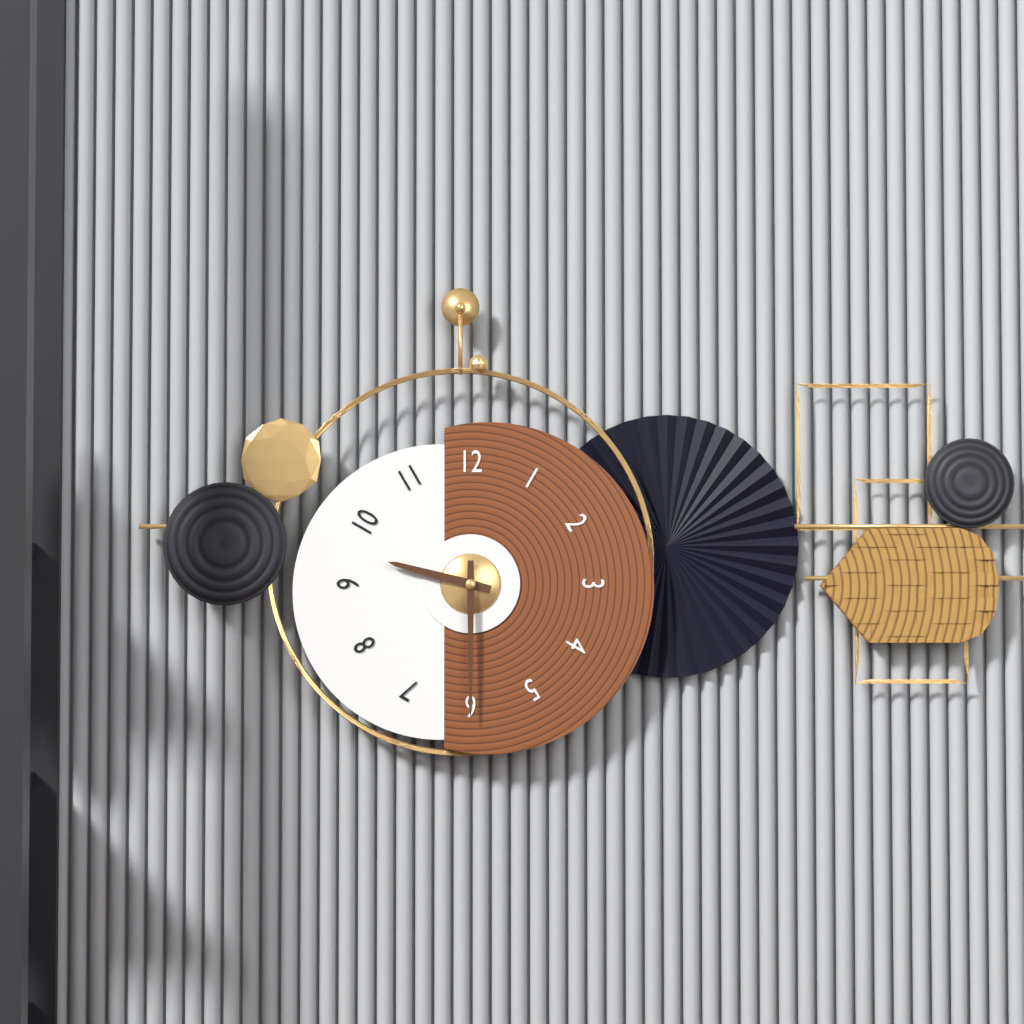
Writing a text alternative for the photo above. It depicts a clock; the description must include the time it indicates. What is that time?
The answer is 9:30
